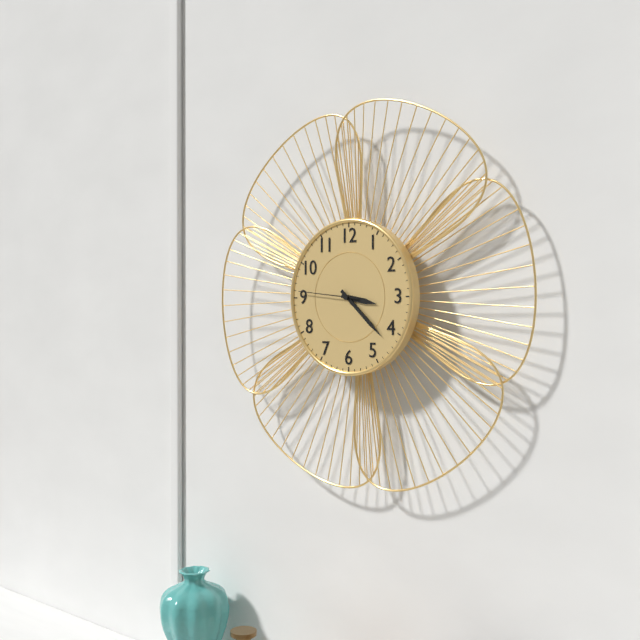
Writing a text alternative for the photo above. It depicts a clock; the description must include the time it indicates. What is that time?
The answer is 3:22:46
